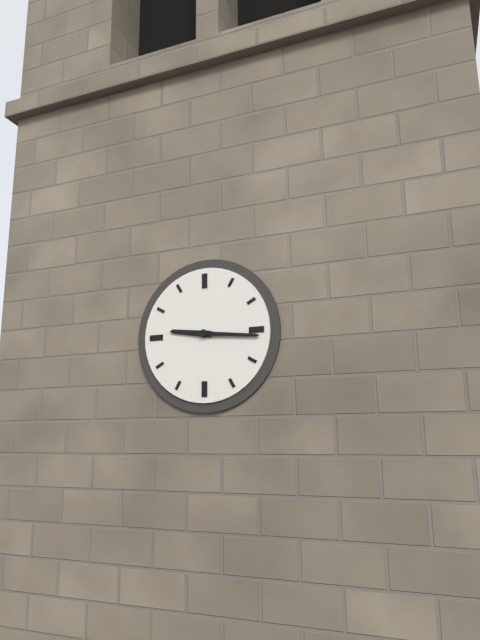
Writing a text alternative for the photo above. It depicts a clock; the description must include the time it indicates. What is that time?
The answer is 9:16
